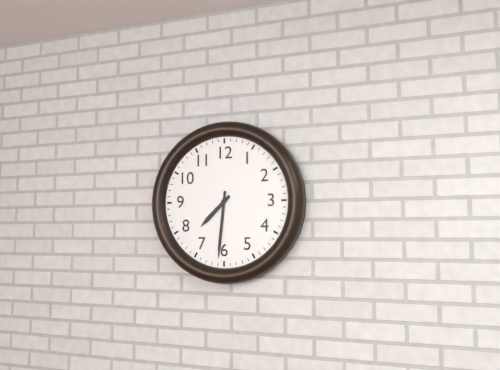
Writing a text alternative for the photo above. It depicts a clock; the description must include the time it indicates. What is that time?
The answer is 7:31
